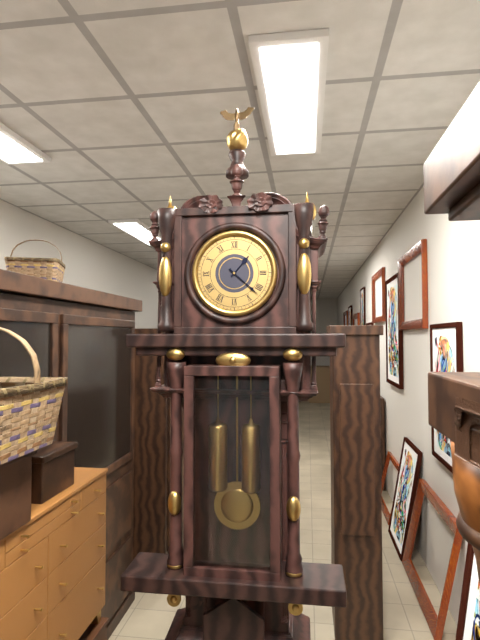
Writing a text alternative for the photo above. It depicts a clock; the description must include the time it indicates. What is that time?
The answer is 1:22
